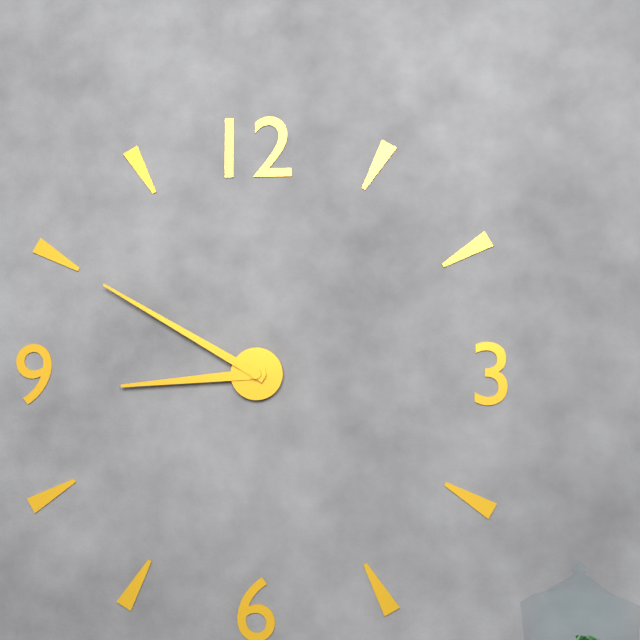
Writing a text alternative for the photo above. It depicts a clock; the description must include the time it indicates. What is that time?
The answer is 8:50
